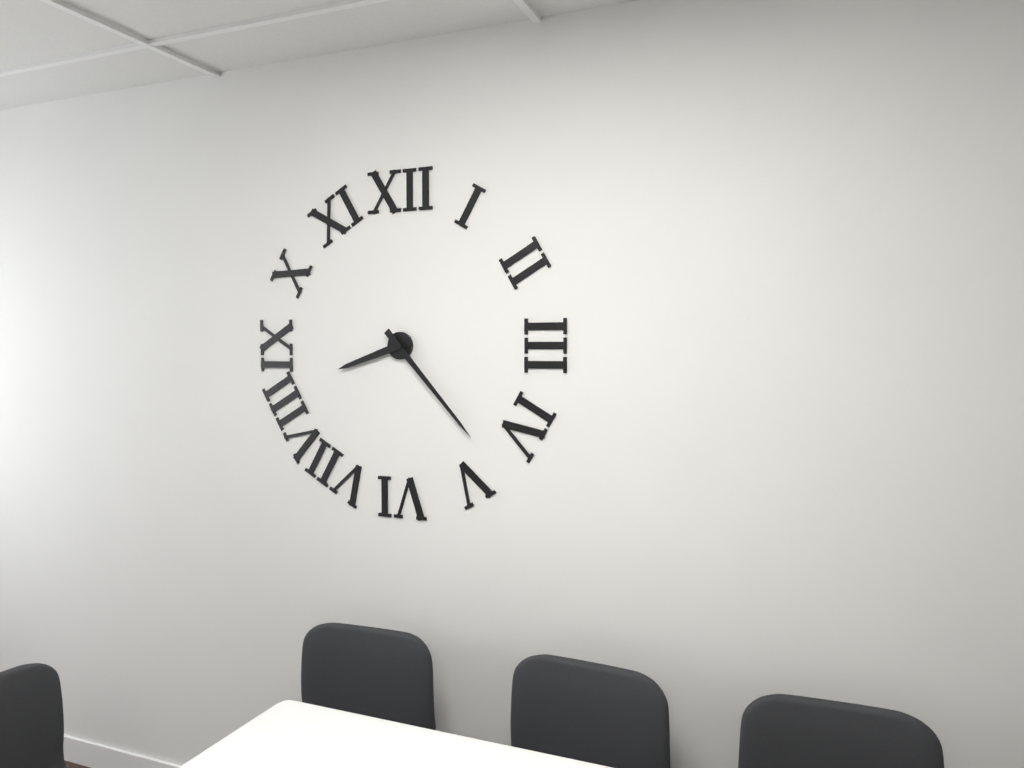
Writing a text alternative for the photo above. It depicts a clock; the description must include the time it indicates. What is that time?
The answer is 8:23
